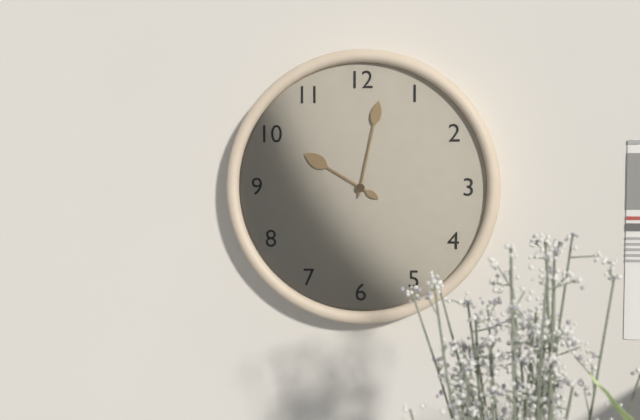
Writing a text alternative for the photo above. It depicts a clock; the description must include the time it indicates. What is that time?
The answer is 10:02
